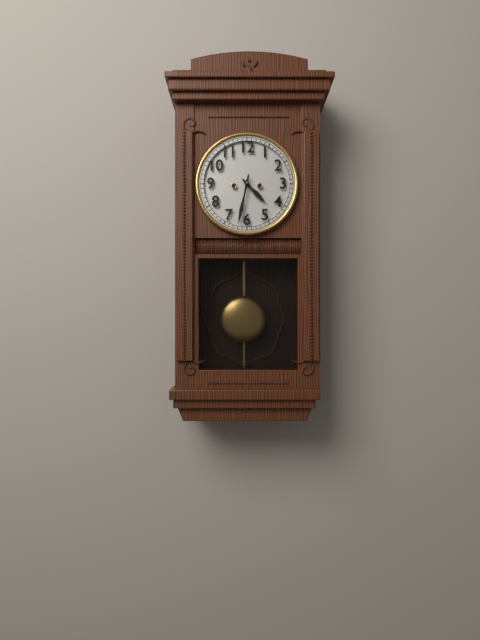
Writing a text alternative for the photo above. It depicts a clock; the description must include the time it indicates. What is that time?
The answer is 4:32
